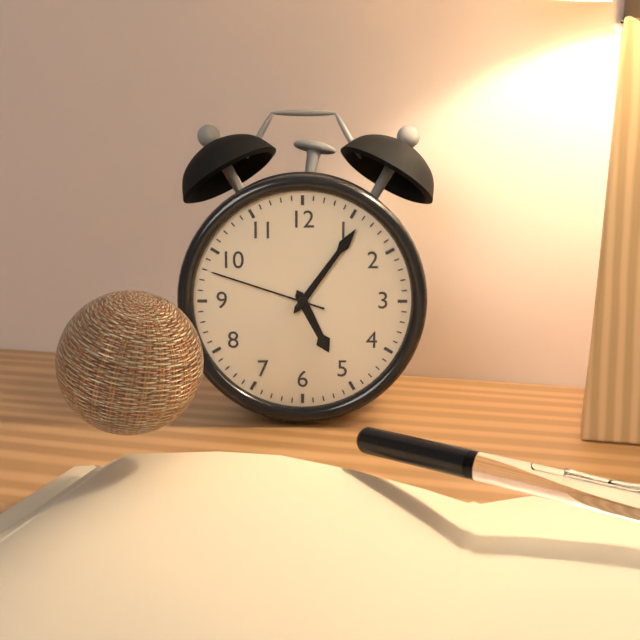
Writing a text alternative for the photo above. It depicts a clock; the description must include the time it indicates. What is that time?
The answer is 5:06:48
